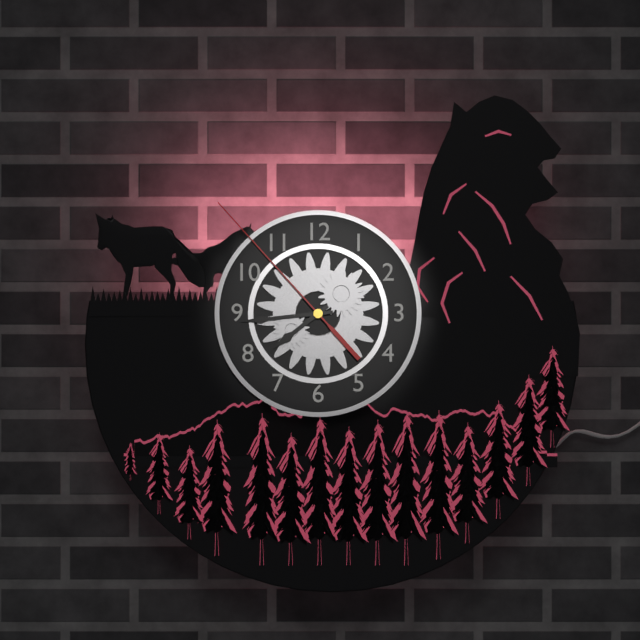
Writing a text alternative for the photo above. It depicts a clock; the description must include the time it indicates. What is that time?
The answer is 7:44:53
